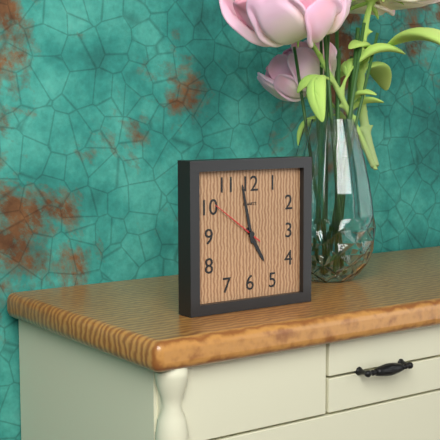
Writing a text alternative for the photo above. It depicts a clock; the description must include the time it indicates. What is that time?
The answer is 4:58:51
